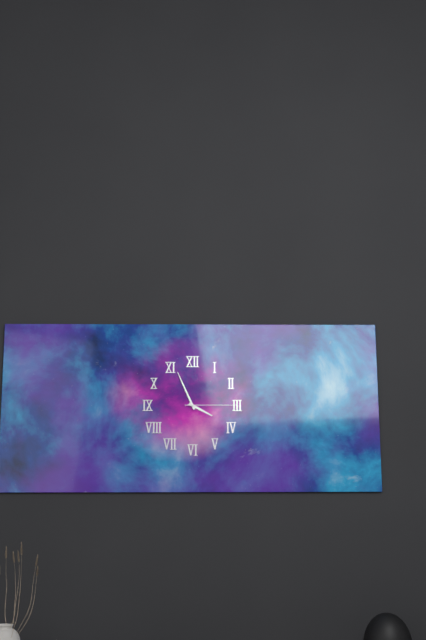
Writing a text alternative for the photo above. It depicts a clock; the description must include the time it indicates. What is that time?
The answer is 3:56:15
